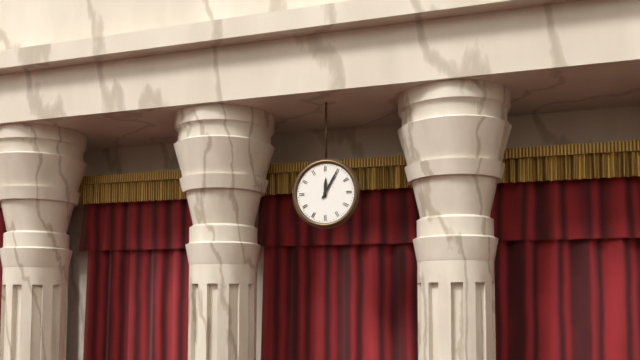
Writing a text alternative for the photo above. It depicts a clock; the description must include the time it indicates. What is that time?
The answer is 12:05
